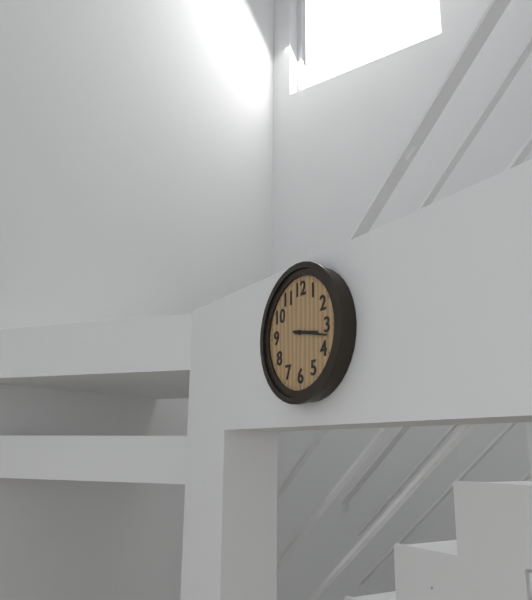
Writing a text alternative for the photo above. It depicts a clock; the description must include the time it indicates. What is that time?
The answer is 3:17
